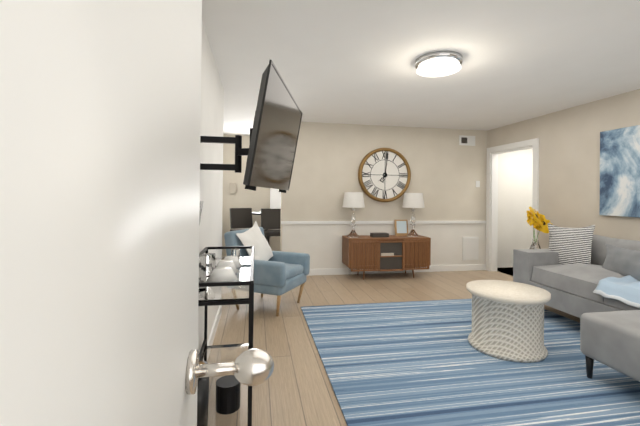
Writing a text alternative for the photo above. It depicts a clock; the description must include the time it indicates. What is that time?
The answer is 7:01
